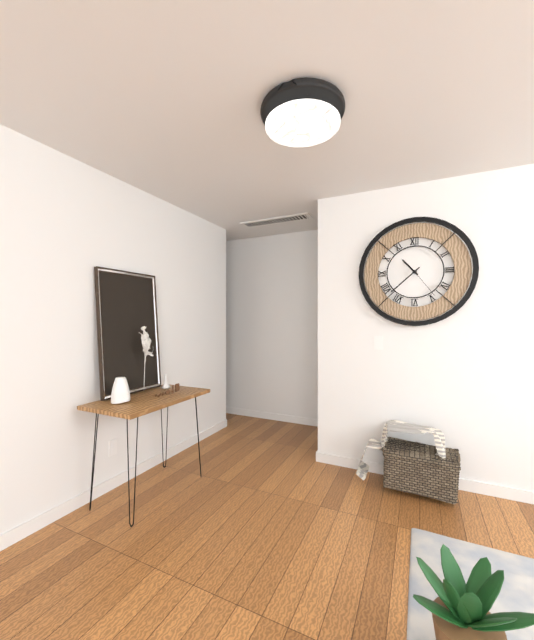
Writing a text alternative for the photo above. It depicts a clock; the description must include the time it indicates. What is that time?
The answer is 10:38
